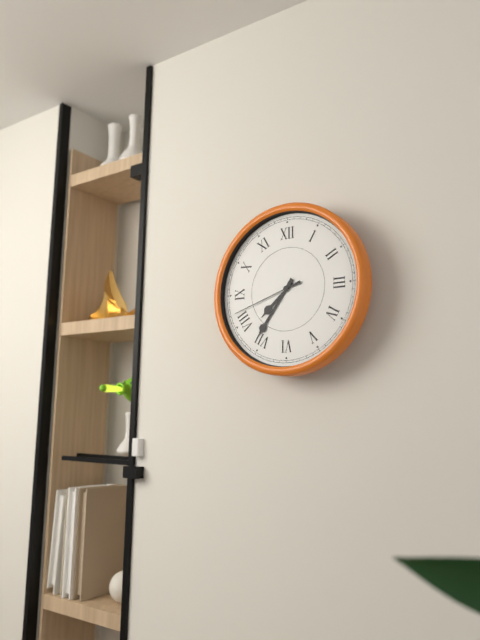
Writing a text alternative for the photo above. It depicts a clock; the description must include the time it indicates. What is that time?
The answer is 7:36:42
